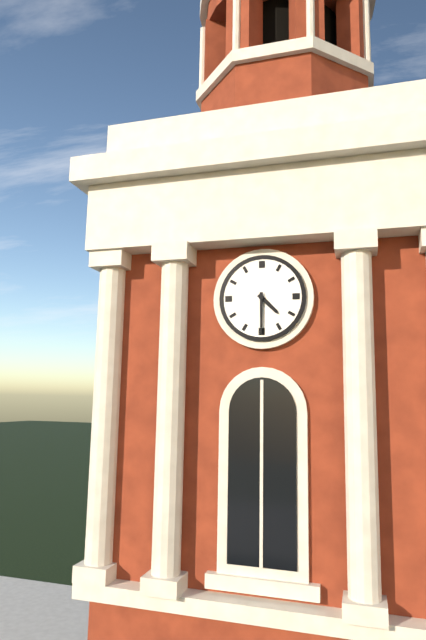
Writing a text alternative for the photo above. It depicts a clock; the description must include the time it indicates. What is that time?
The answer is 4:30
